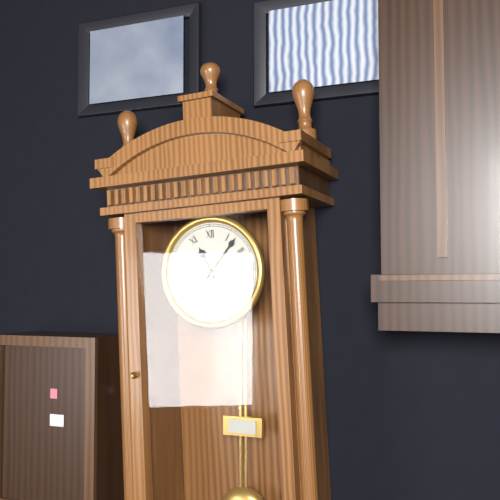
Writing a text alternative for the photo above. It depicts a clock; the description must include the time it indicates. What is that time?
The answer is 11:07
